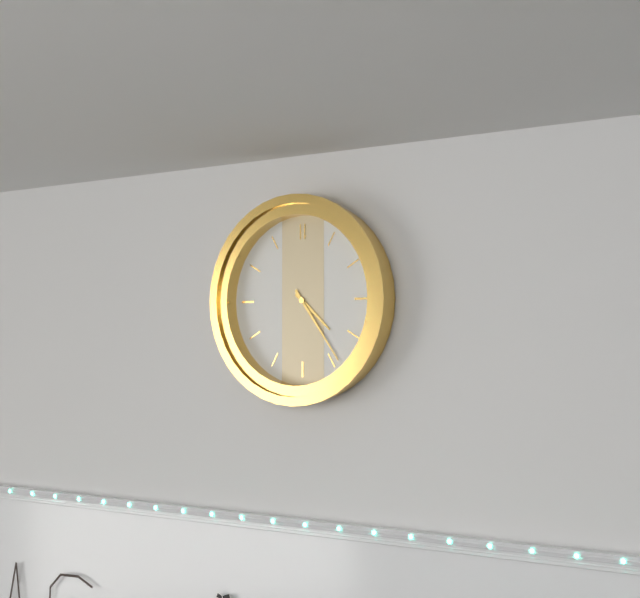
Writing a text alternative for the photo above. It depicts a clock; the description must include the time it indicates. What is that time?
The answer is 4:24
